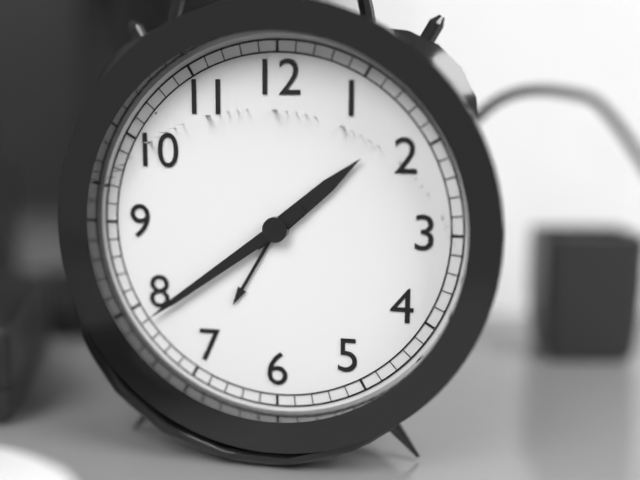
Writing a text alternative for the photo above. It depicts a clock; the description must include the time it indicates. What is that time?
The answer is 1:39
